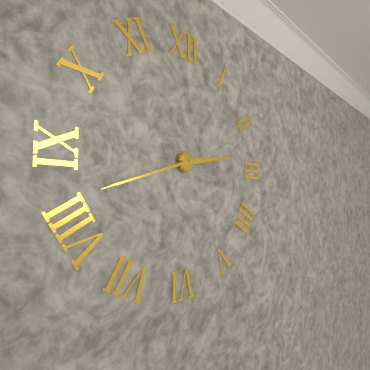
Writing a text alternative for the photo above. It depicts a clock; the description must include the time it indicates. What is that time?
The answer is 2:42
